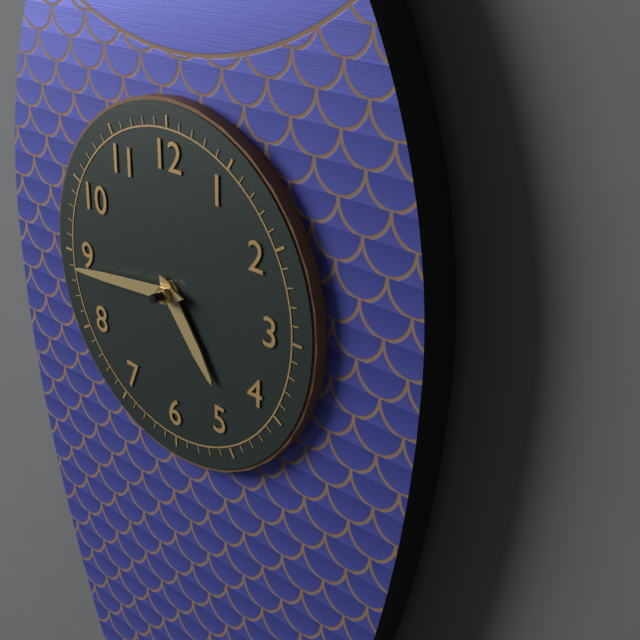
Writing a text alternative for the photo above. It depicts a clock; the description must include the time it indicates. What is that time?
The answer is 4:44
